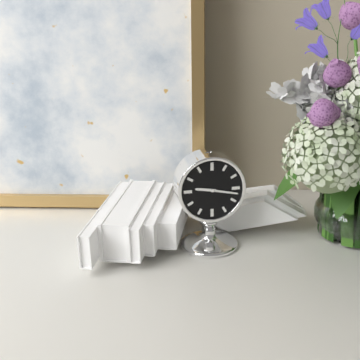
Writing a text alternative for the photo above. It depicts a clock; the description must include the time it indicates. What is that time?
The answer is 9:17
